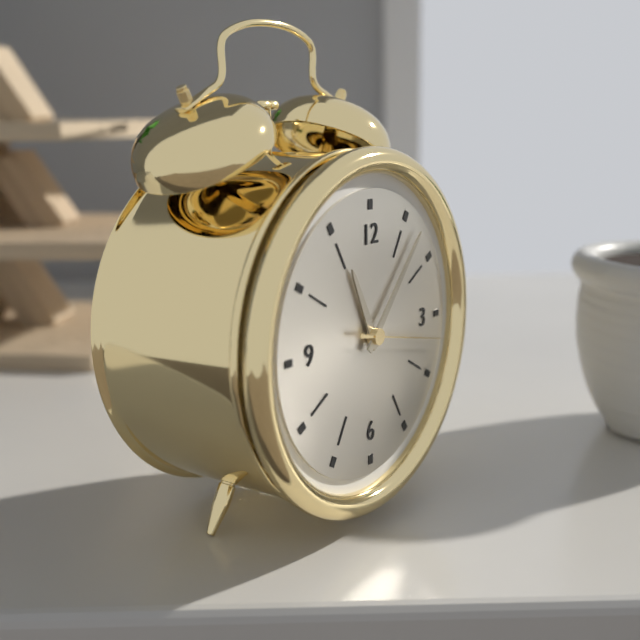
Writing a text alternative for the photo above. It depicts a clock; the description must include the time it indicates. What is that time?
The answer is 11:07:17
